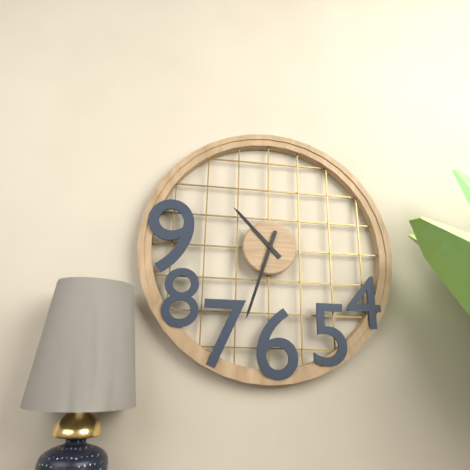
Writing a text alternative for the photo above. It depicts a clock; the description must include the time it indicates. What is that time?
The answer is 10:33
